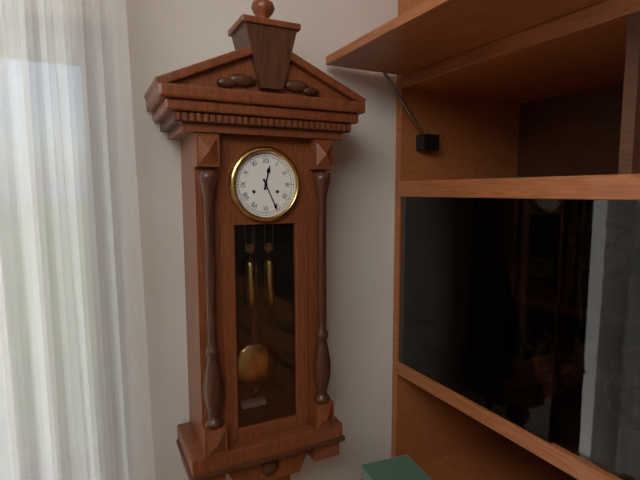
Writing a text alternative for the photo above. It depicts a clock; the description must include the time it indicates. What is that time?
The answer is 12:26
